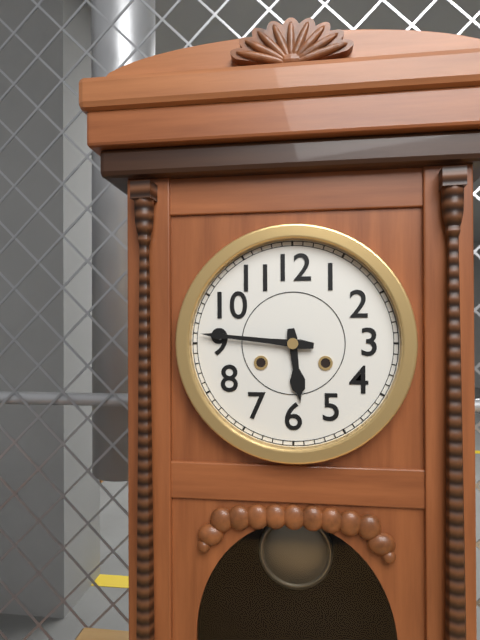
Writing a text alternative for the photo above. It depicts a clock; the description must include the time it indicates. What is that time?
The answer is 5:46
